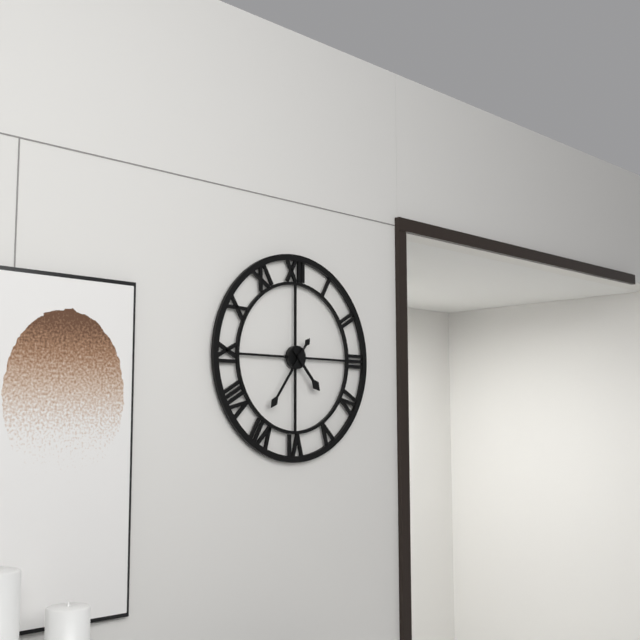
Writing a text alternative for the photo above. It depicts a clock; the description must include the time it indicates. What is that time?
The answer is 4:36
